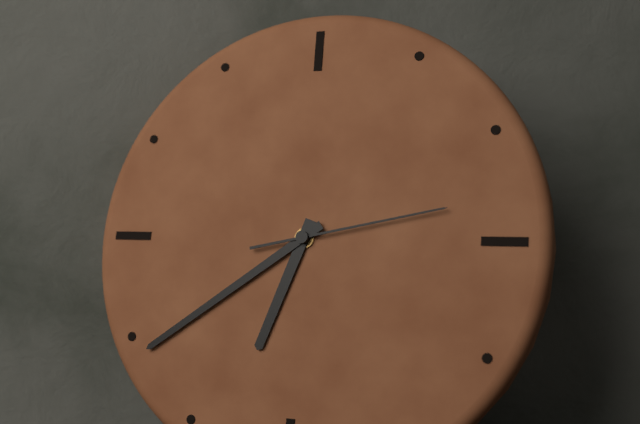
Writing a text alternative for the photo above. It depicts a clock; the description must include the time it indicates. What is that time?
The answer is 6:39:13
